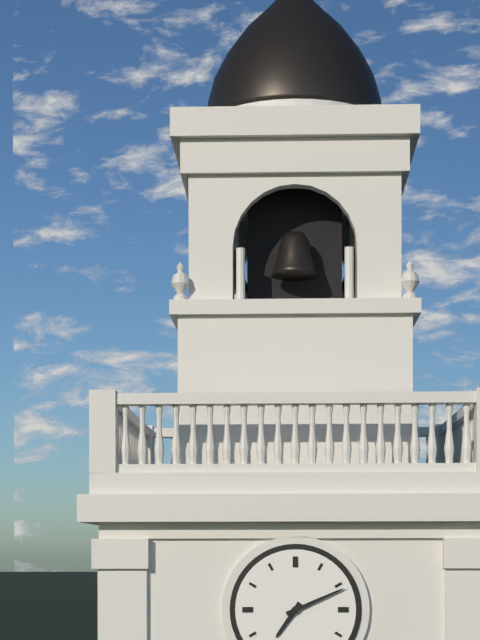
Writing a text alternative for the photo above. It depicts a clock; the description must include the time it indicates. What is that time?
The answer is 7:11
